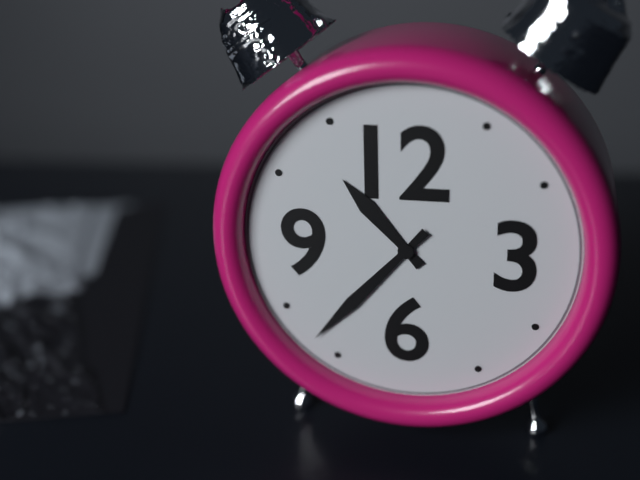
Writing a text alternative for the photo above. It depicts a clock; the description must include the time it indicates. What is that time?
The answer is 10:37
